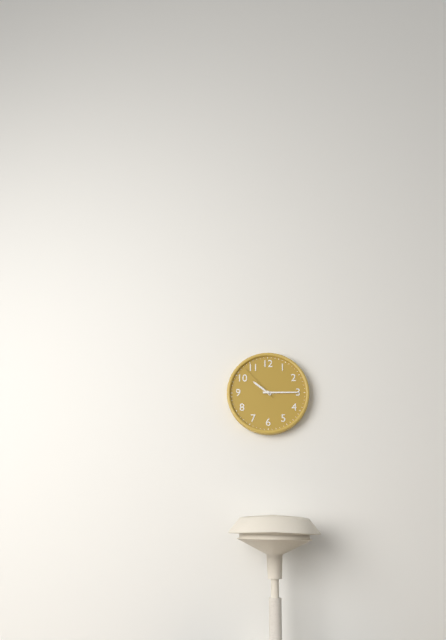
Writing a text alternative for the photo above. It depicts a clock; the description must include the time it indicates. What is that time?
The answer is 10:15
